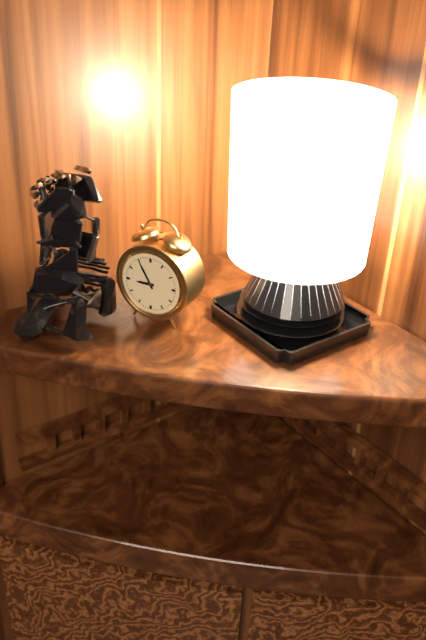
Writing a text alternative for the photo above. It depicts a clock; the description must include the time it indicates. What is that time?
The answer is 8:55
